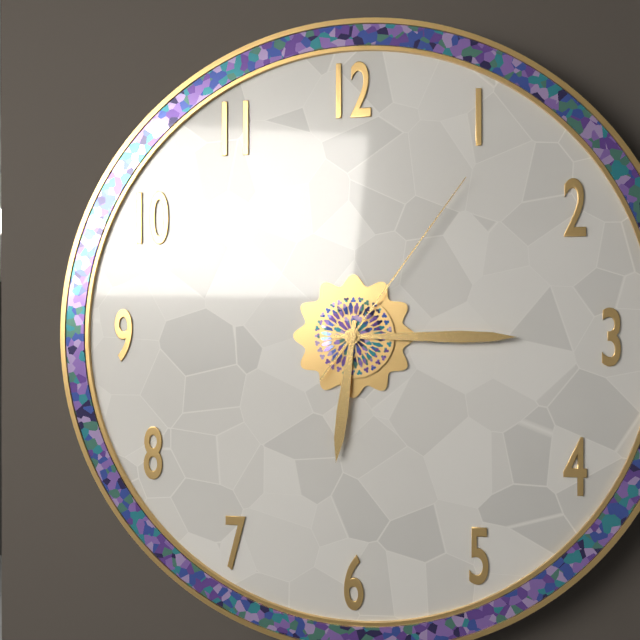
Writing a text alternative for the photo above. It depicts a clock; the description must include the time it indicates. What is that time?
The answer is 6:15:06
